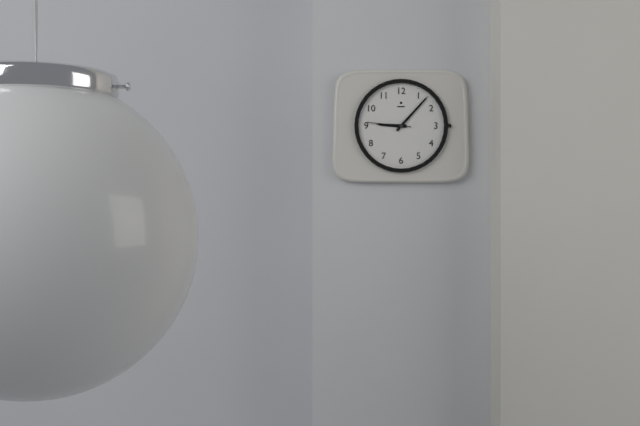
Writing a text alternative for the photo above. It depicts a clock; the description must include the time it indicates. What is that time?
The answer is 9:07
